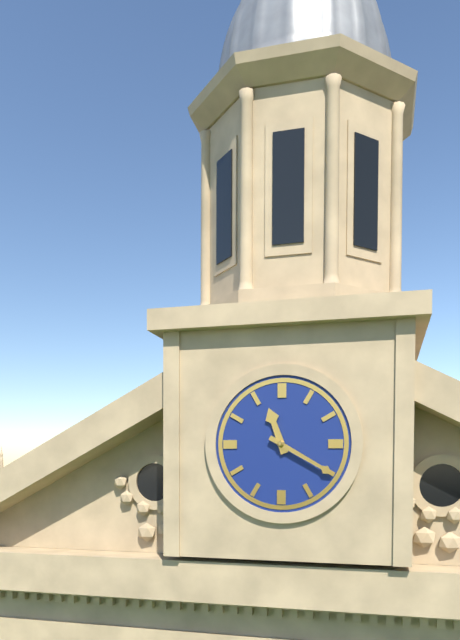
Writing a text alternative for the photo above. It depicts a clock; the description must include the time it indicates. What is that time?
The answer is 11:20
